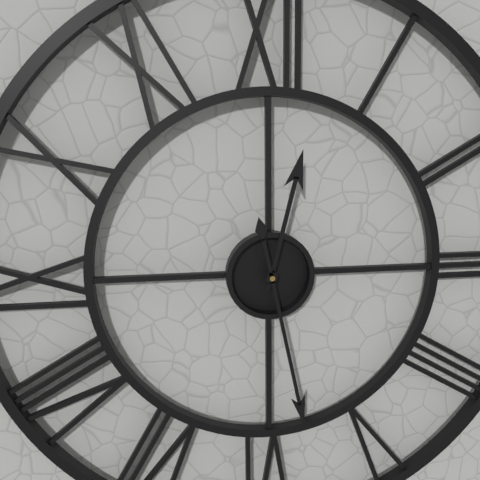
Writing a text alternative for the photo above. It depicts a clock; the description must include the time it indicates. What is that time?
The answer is 12:28
